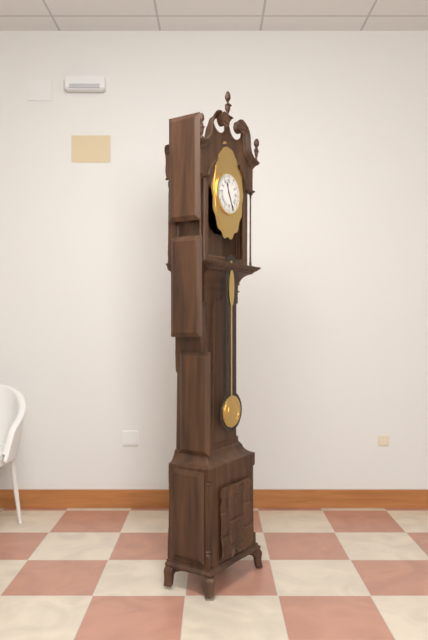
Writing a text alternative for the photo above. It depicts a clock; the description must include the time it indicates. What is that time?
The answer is 11:26
